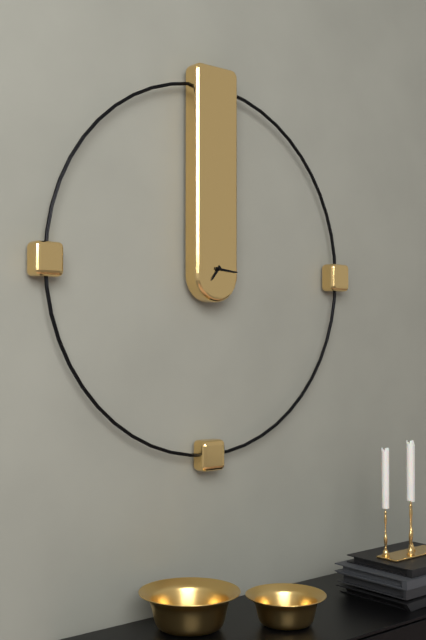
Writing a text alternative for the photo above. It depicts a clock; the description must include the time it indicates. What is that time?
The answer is 7:16
